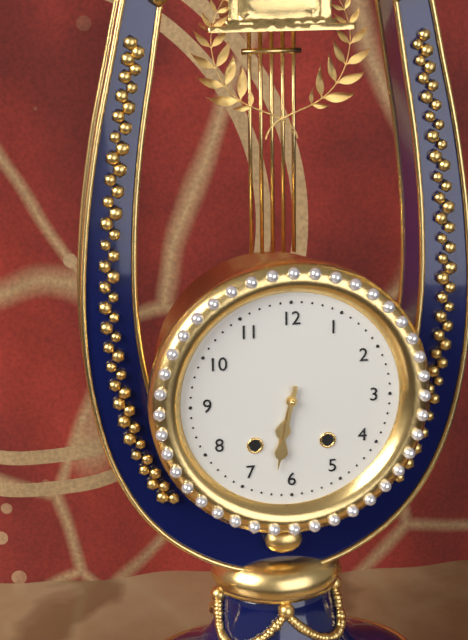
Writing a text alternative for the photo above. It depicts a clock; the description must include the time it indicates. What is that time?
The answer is 6:32
